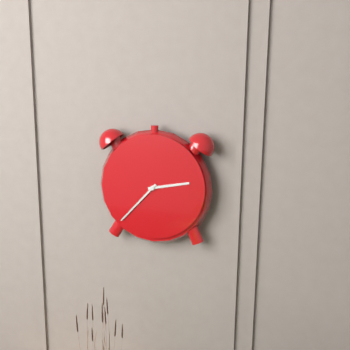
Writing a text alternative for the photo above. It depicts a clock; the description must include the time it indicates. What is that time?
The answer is 2:37
